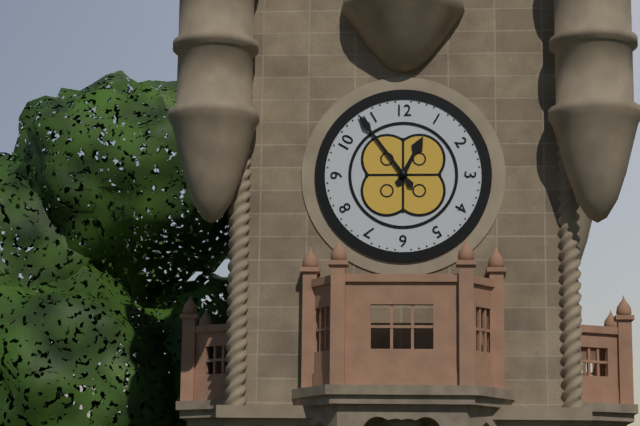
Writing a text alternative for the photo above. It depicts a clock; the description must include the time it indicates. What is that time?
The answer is 12:54
